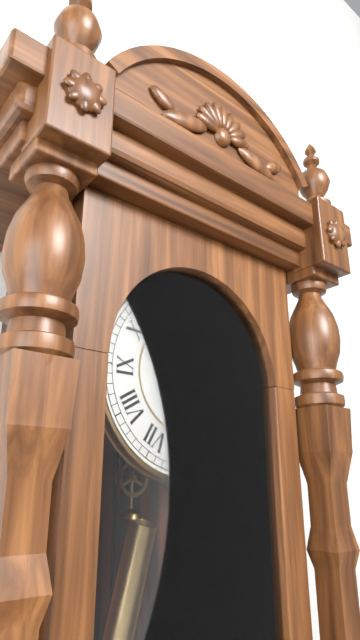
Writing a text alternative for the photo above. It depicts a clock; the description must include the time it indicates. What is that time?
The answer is 3:32
